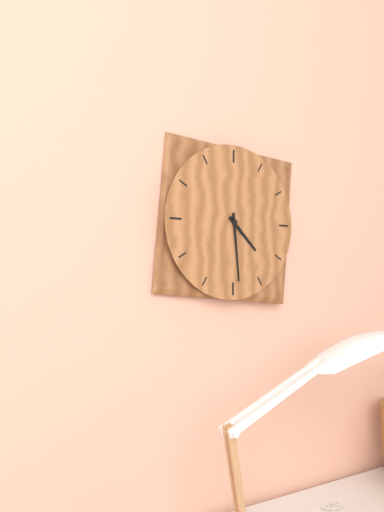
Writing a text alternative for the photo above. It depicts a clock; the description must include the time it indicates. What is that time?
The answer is 4:29
